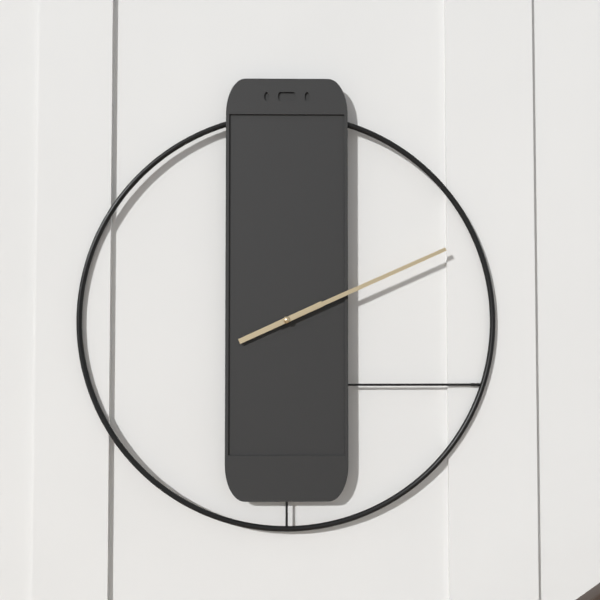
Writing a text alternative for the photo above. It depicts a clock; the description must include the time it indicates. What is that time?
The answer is 8:11
